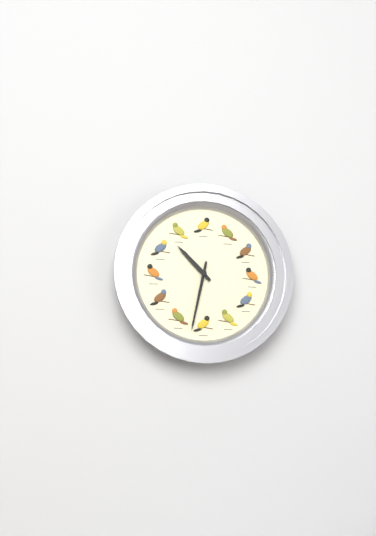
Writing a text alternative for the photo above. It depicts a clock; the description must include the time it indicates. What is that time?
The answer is 10:32
